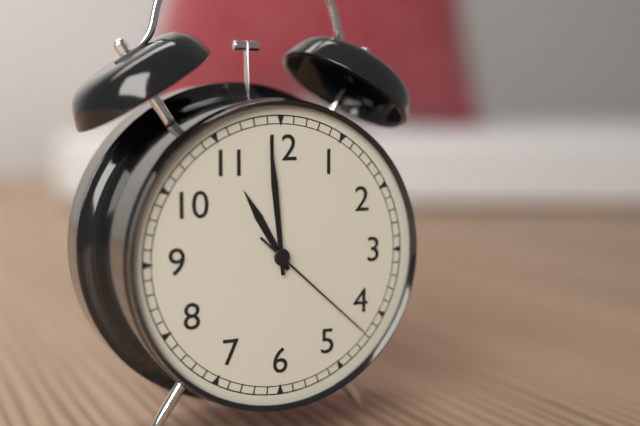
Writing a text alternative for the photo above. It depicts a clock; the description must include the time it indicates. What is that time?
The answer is 10:59:22
